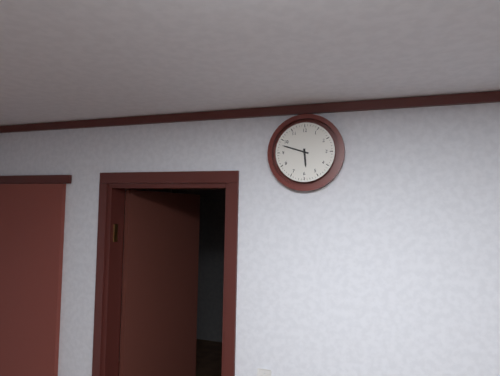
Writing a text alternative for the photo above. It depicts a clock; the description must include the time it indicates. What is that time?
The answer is 5:48
